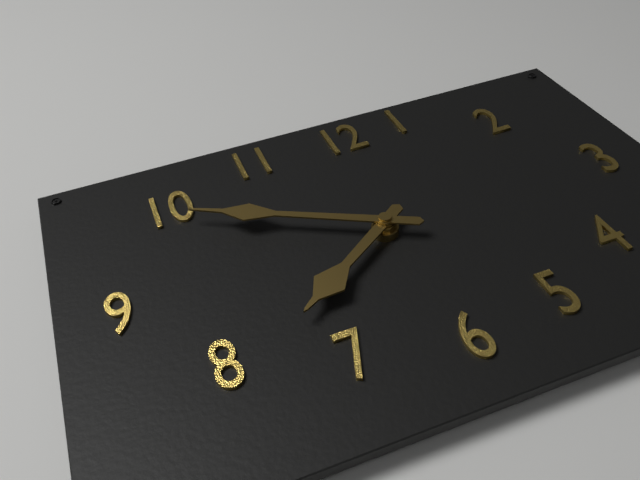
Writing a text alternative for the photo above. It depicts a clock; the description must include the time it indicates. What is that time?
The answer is 7:50
